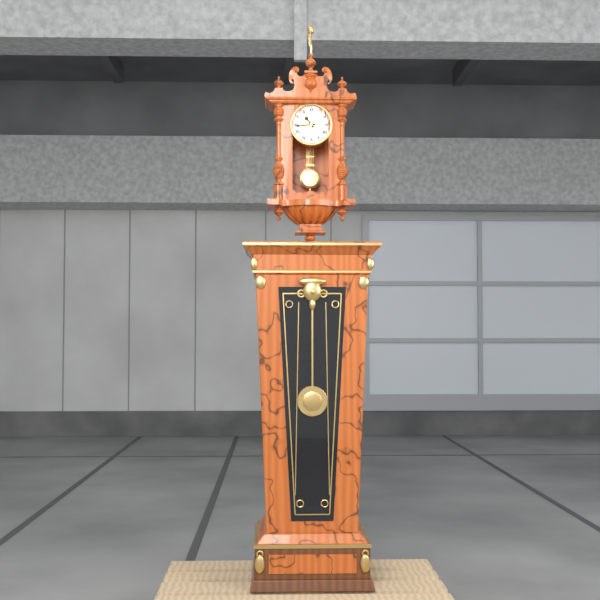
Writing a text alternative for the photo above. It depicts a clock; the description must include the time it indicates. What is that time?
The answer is 10:44
